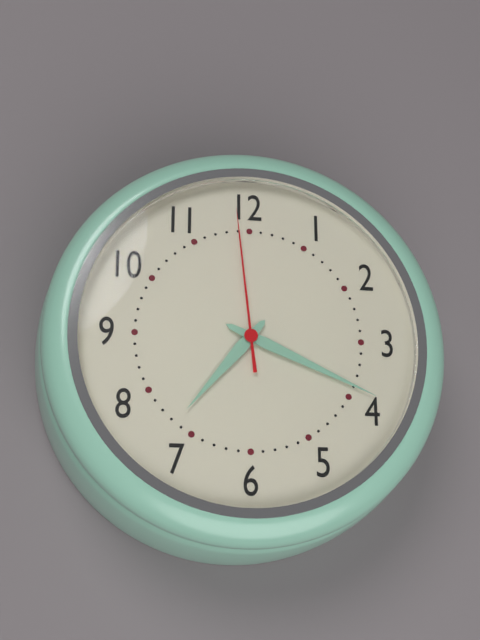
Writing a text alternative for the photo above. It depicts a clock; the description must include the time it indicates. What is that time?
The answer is 7:19:59
